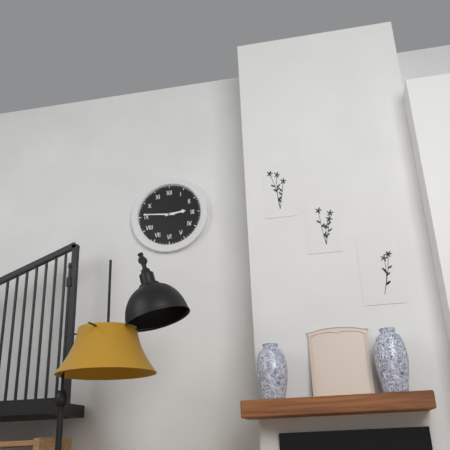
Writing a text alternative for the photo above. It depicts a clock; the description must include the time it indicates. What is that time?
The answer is 2:46
